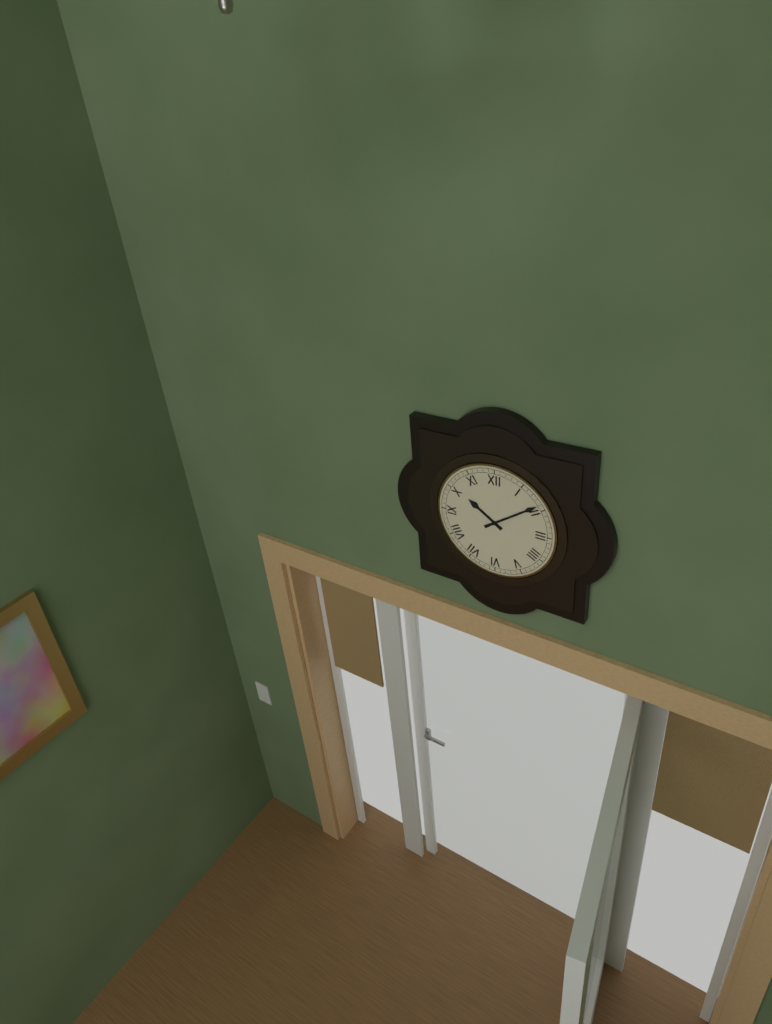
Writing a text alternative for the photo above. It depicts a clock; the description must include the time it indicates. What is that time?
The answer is 10:09
